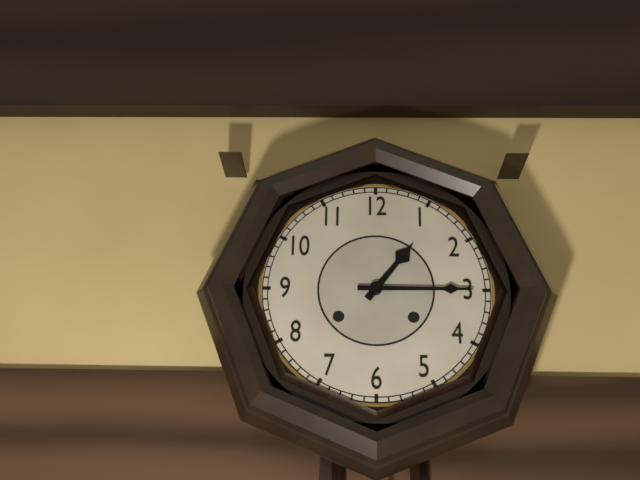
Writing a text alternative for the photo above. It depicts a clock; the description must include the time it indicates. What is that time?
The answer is 1:15
